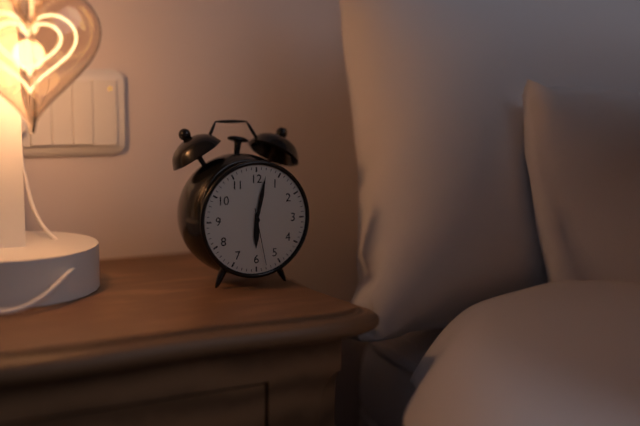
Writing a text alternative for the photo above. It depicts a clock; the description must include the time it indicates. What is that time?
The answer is 6:02:28
